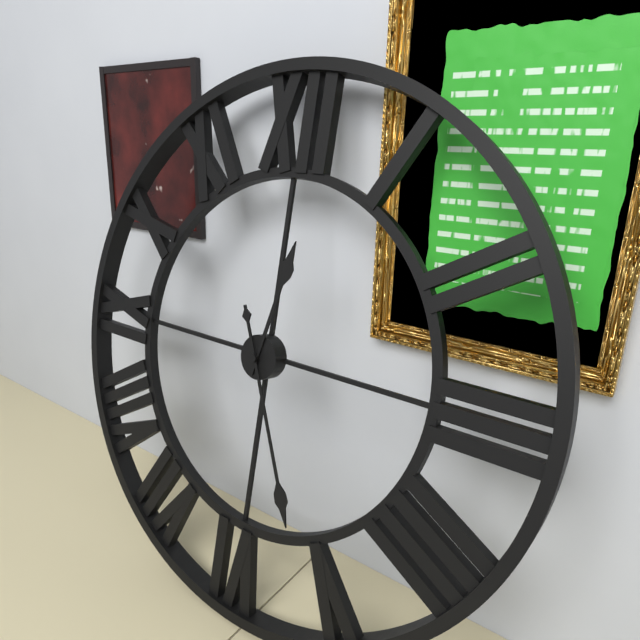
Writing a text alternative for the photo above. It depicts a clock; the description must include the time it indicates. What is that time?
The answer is 12:26
